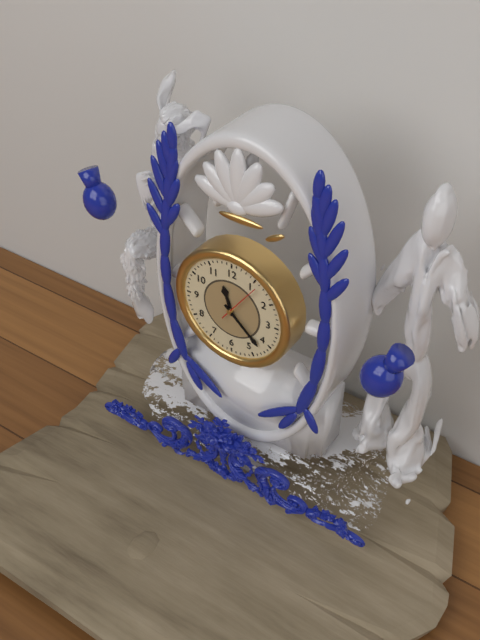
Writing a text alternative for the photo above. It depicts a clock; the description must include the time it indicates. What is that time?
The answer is 11:22
